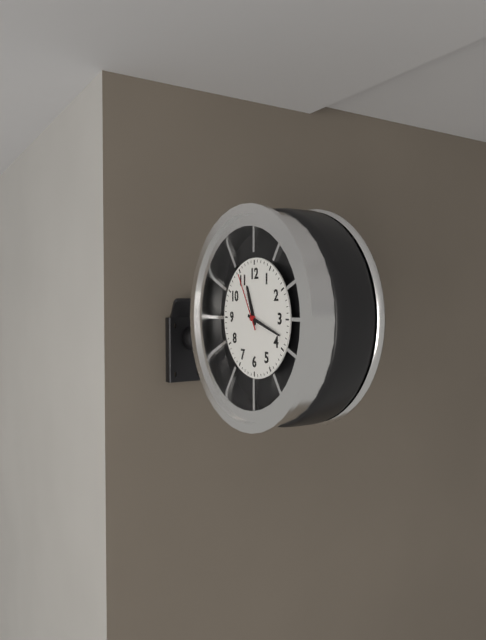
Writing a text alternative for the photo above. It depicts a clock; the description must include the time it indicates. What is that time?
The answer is 11:18:55
